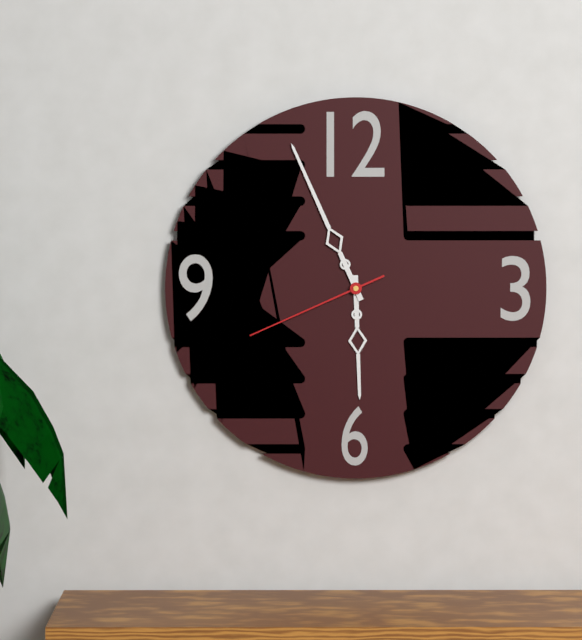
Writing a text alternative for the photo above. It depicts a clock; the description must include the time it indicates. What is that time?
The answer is 5:56:41
